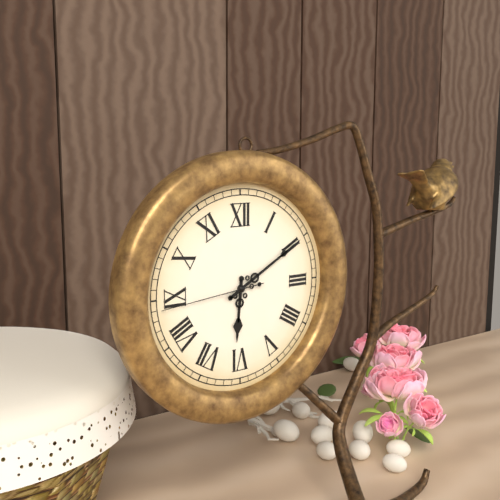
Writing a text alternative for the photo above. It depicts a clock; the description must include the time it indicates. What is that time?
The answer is 6:10:44
